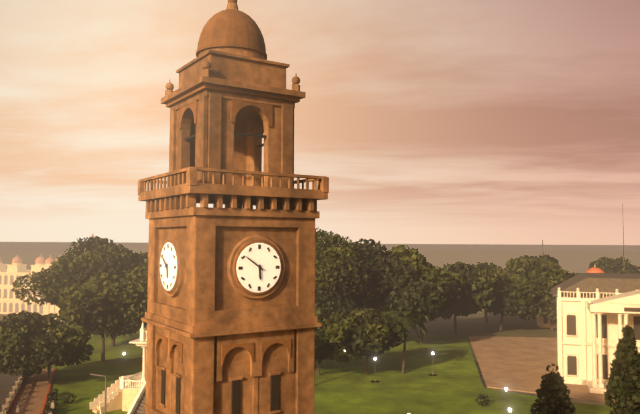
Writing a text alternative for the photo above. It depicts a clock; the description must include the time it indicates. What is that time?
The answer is 5:51
